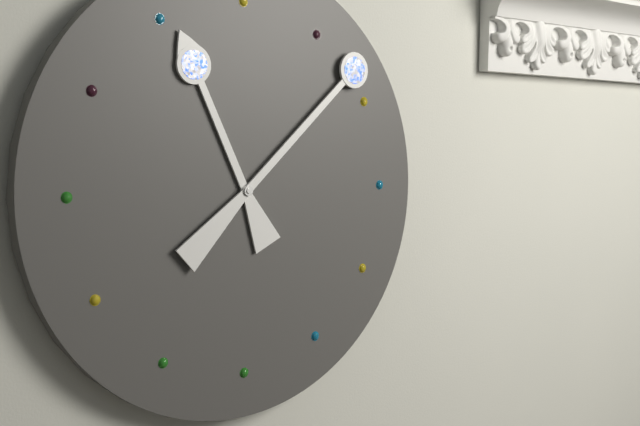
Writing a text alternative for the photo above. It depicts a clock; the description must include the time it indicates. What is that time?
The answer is 11:08
